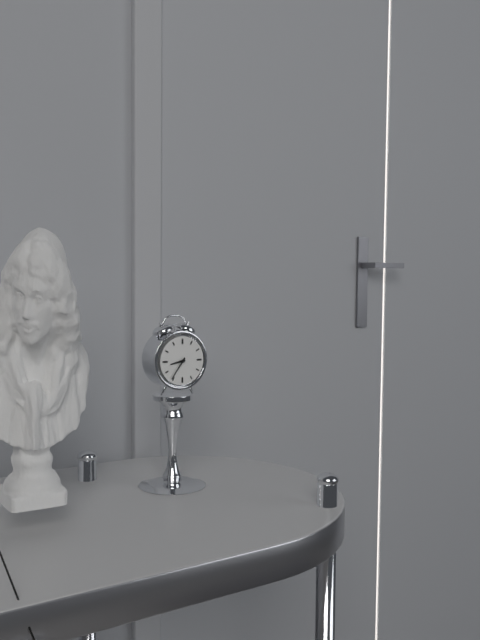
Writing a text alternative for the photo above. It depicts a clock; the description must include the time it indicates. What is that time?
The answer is 8:36
